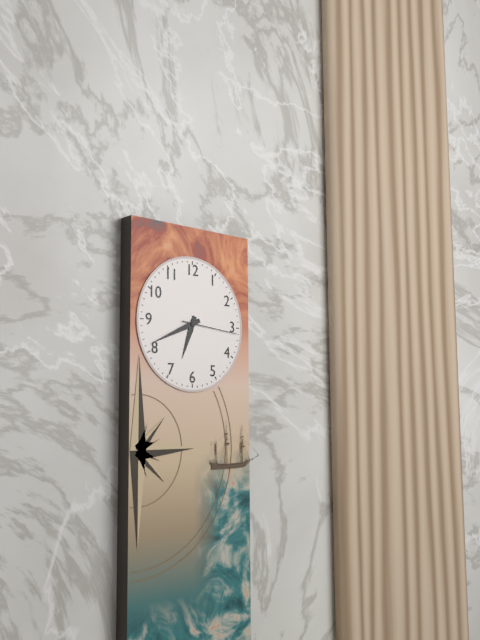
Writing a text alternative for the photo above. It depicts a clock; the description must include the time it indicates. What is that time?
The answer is 6:41:16
